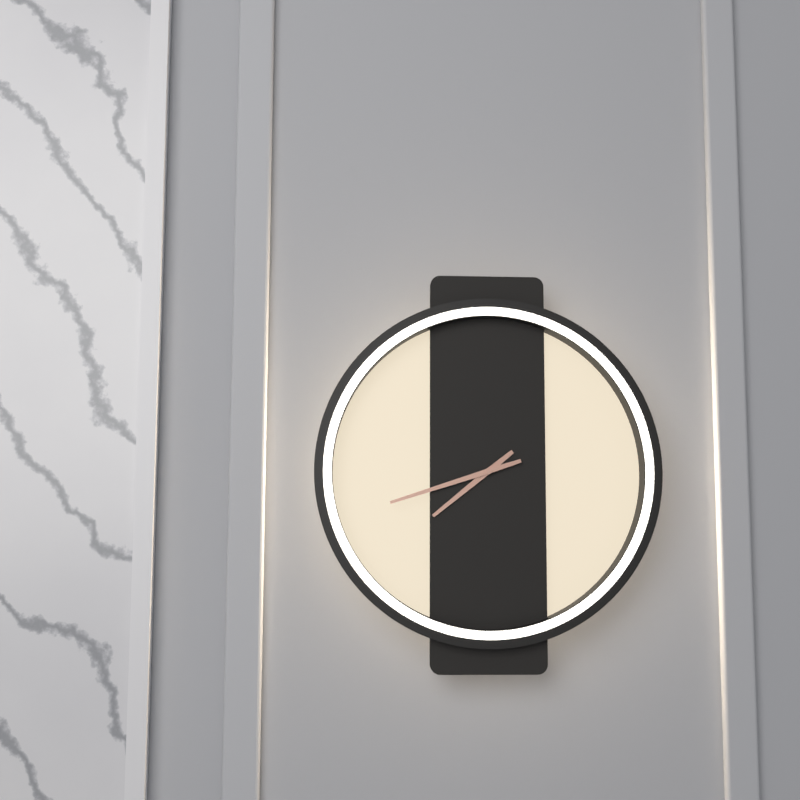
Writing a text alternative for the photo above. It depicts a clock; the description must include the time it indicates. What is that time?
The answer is 7:42
